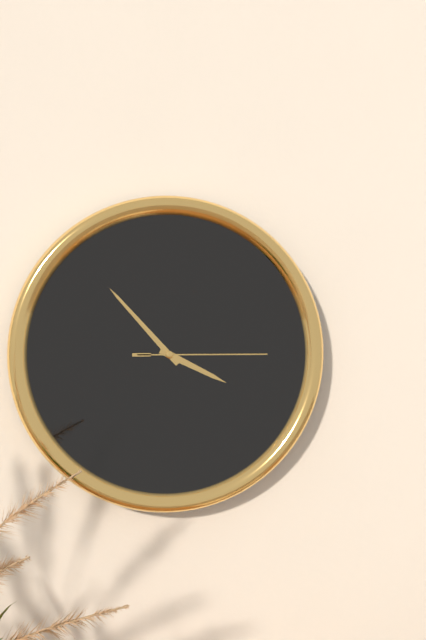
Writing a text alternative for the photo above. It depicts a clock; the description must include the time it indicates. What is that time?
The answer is 3:53:15
